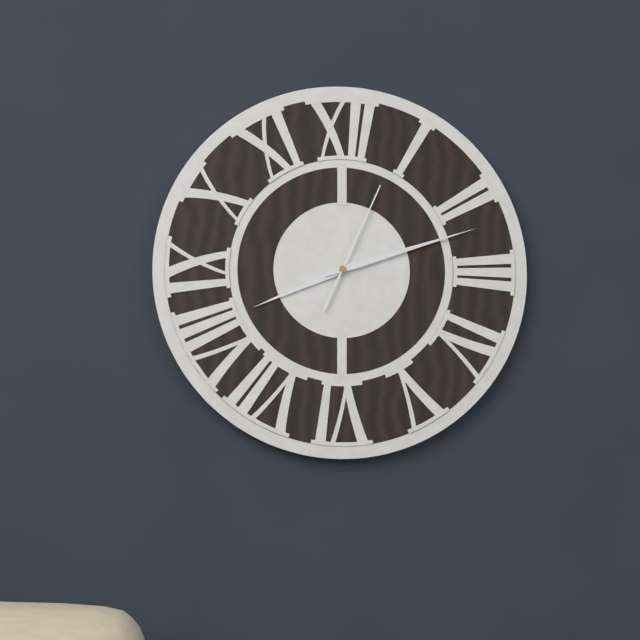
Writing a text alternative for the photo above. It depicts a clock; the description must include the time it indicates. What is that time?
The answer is 8:12:04
